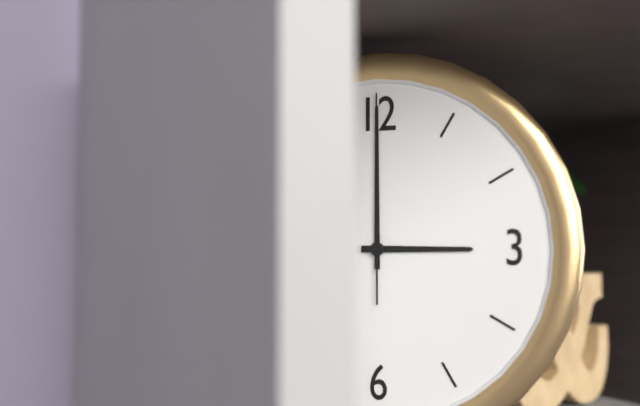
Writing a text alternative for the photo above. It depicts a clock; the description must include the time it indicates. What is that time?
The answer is 3:00:00
